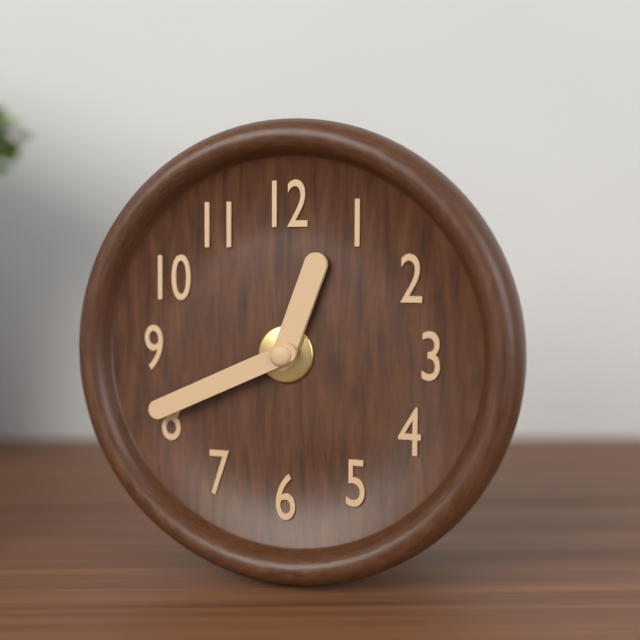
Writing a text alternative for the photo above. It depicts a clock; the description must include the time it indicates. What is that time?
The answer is 12:41
